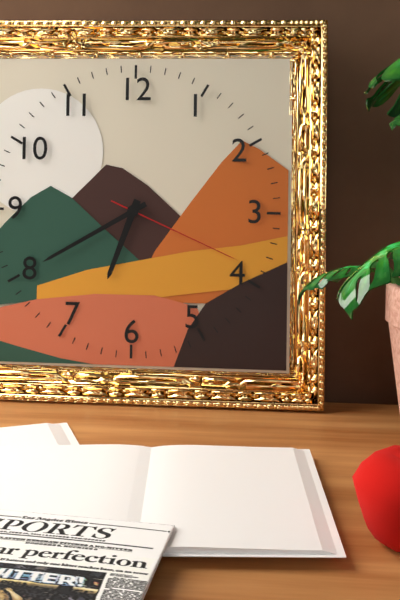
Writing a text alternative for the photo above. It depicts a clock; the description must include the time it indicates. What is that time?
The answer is 6:40:19
